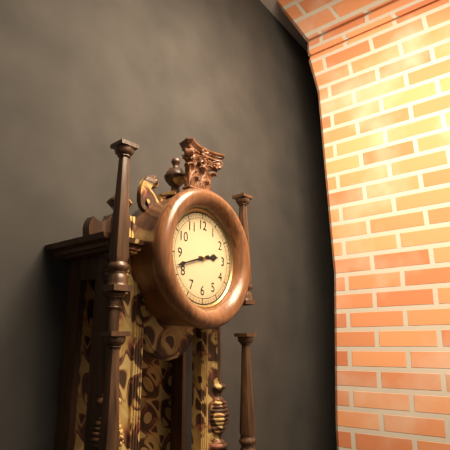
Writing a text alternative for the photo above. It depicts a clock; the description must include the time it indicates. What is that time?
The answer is 2:42
